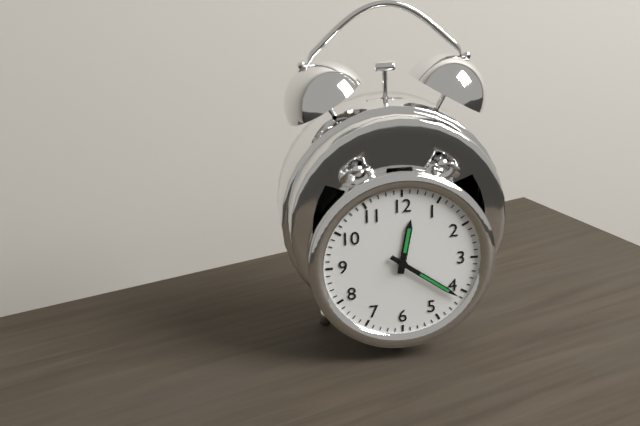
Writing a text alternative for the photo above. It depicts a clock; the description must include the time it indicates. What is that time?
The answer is 12:21
